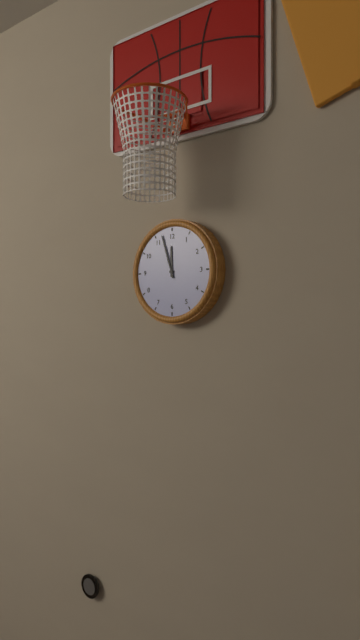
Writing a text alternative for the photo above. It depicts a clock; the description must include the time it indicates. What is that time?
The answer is 11:57
